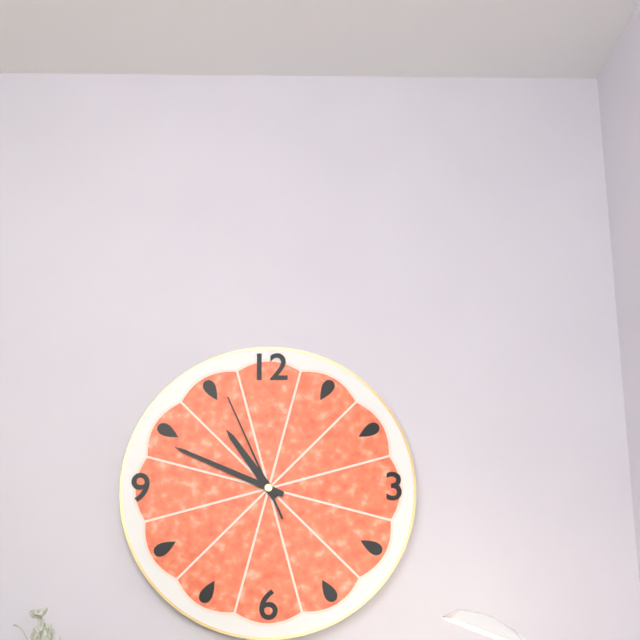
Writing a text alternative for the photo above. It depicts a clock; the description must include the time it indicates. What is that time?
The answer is 10:49:56
